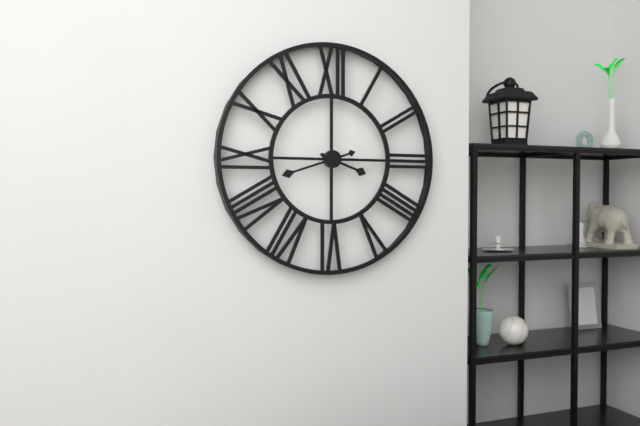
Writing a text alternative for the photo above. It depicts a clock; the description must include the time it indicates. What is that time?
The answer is 3:42
